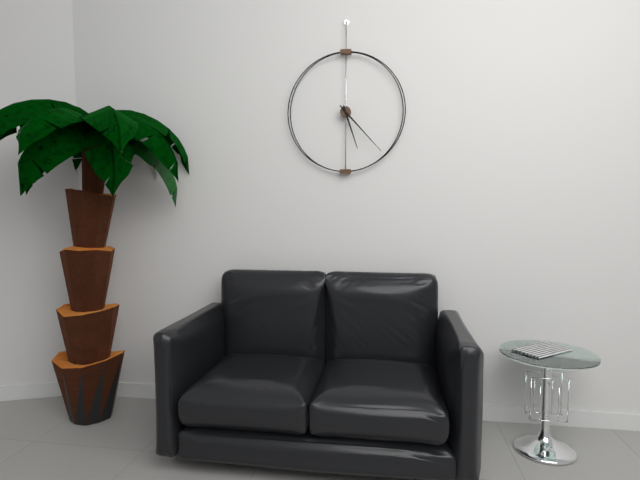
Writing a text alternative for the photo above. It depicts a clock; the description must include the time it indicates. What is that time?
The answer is 5:23
